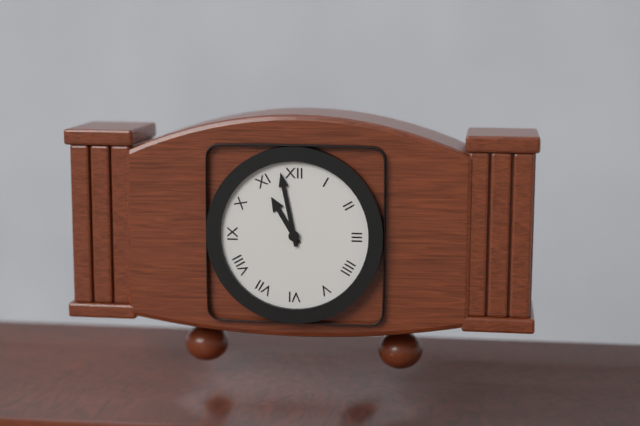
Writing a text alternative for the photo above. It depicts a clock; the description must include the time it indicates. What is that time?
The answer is 10:58
